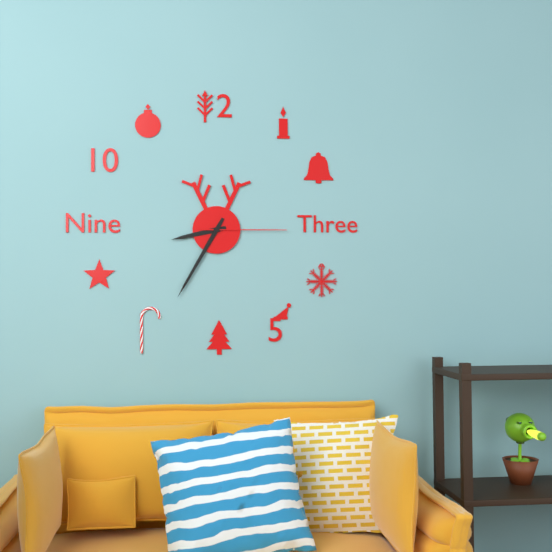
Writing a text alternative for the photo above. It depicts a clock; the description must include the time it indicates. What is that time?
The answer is 8:35:15
